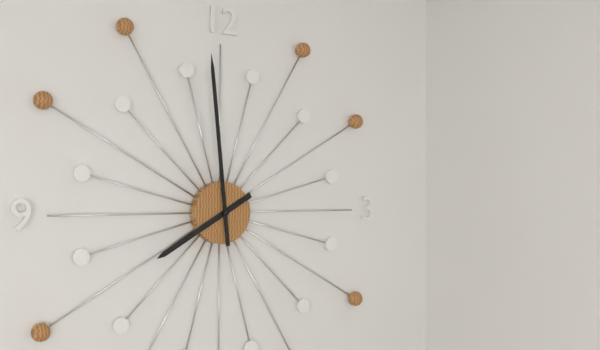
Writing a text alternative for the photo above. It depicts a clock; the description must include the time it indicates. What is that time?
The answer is 7:59
